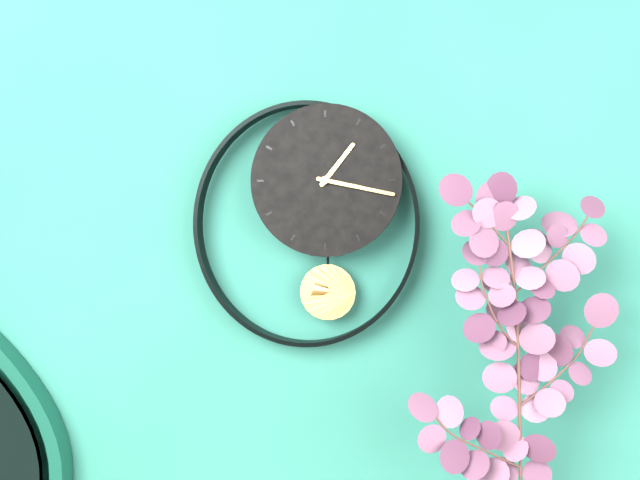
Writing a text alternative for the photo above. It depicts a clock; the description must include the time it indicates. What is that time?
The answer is 1:17
